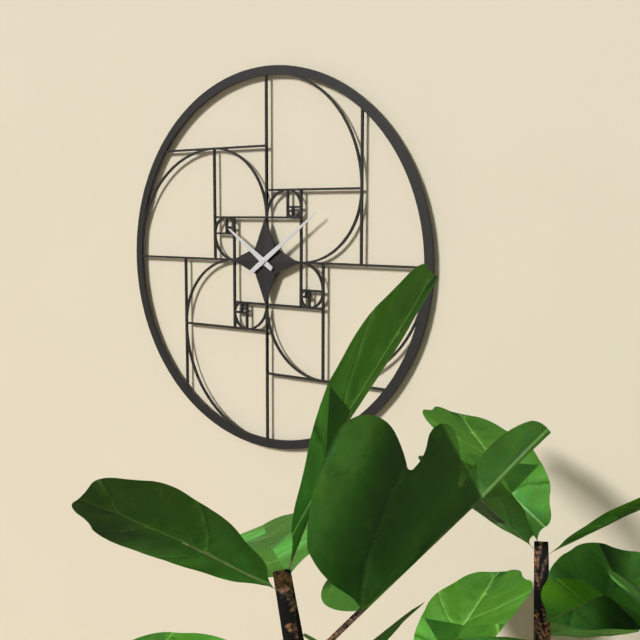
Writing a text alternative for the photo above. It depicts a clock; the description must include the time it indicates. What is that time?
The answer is 10:09
